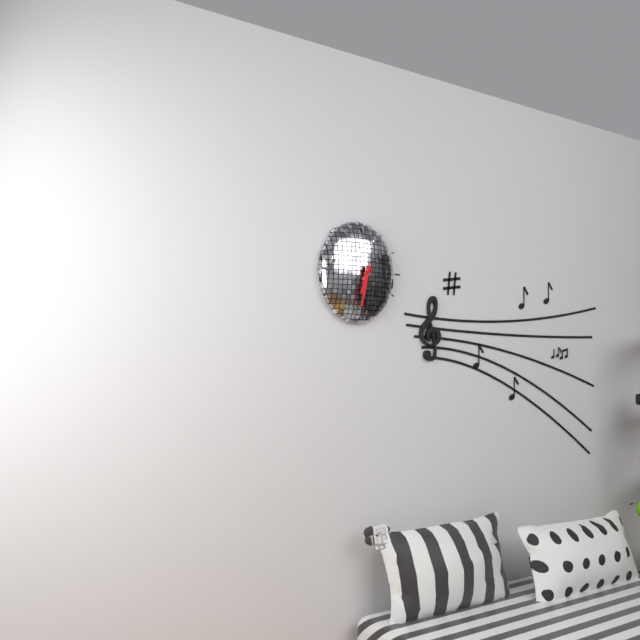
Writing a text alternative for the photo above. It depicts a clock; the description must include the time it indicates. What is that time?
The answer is 6:32
